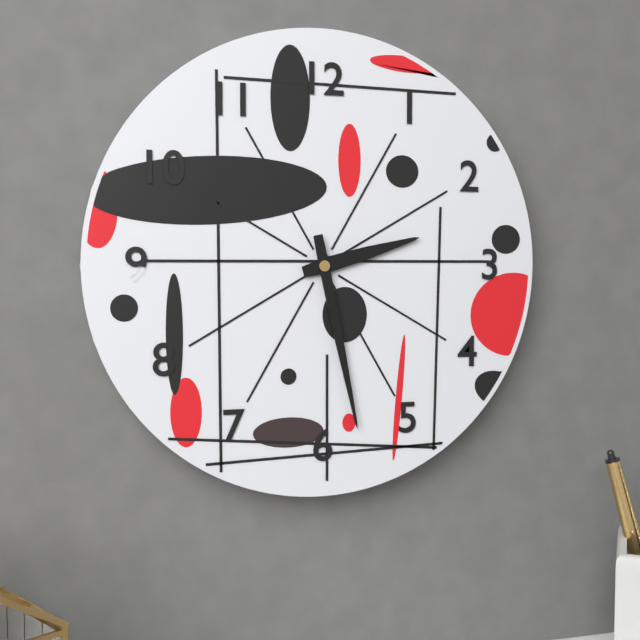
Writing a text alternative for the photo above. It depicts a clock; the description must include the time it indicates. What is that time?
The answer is 2:28
